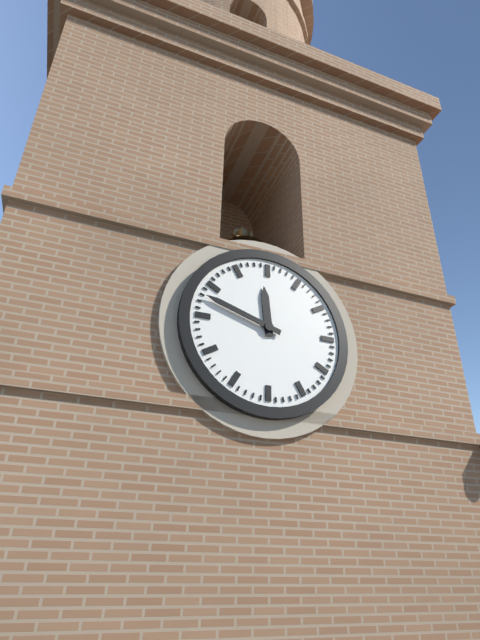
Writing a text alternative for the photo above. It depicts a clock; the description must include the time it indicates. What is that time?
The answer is 11:48
